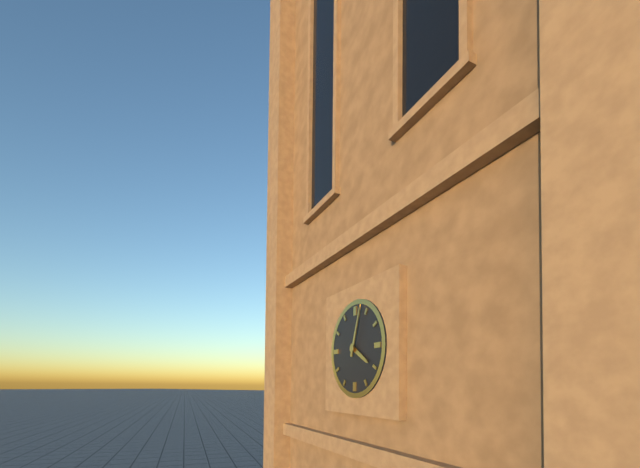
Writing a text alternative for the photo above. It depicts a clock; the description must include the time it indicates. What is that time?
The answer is 4:03
